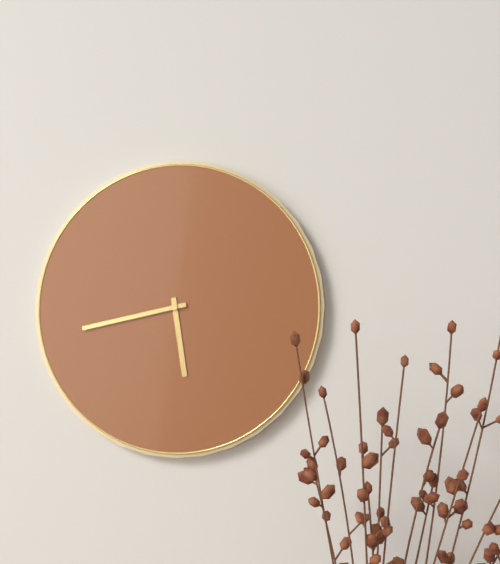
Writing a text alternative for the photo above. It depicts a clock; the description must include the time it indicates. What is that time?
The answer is 5:43
